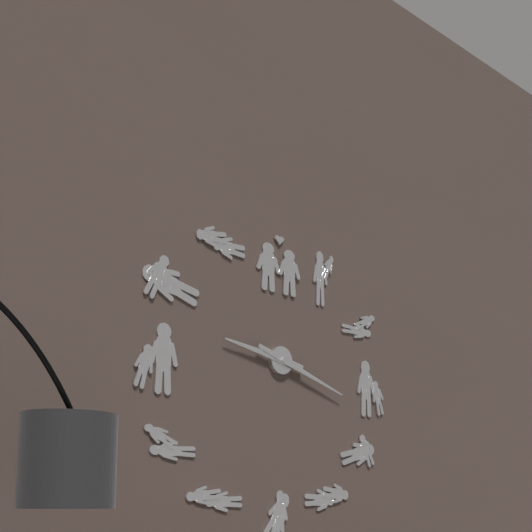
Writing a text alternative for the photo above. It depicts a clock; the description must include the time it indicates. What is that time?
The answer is 9:18
